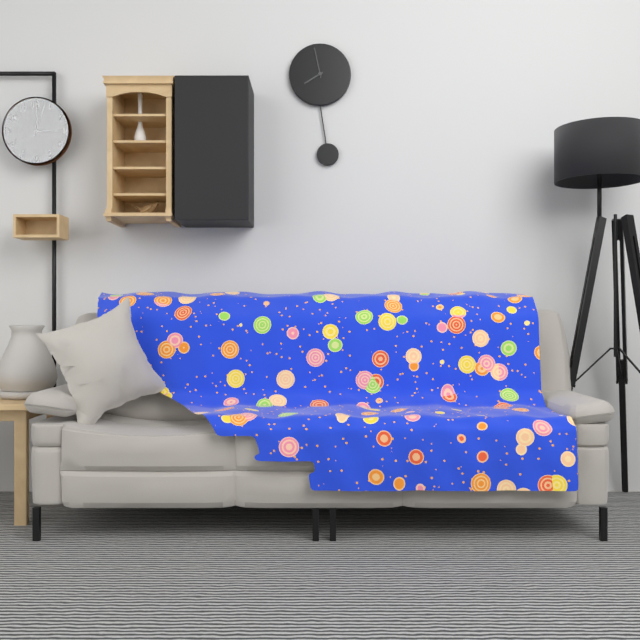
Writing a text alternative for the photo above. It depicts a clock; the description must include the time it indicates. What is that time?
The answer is 7:58
